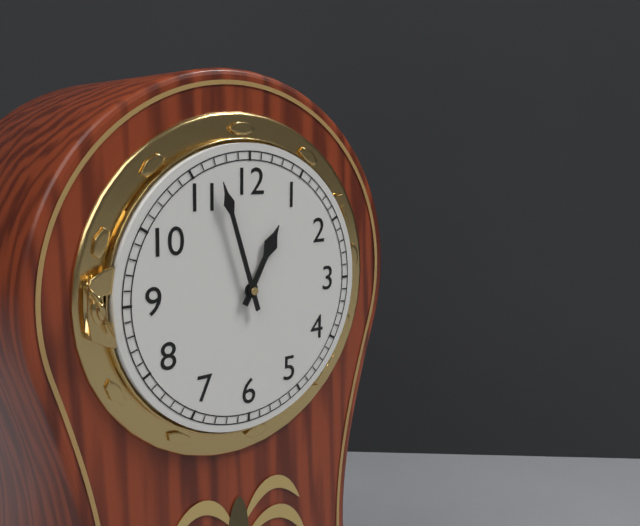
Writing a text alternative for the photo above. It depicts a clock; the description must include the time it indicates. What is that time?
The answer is 12:57
